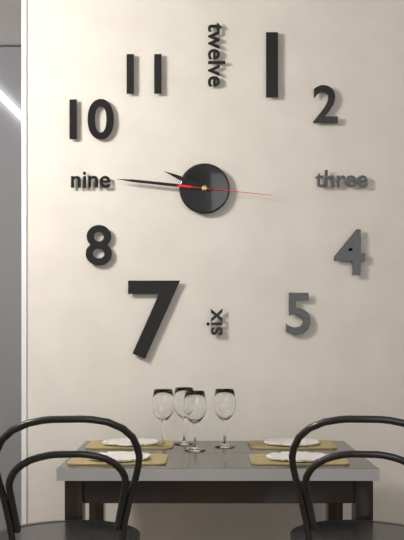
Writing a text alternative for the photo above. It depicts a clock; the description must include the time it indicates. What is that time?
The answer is 9:46:16
